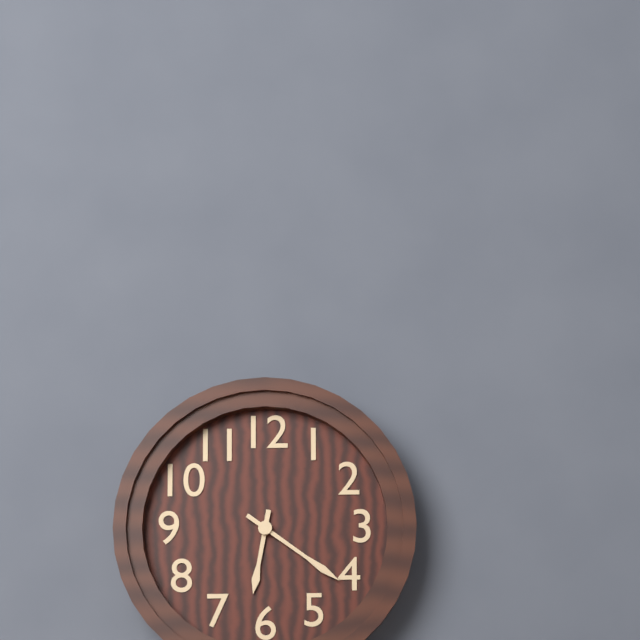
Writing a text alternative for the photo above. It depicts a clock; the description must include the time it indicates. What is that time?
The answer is 6:21
